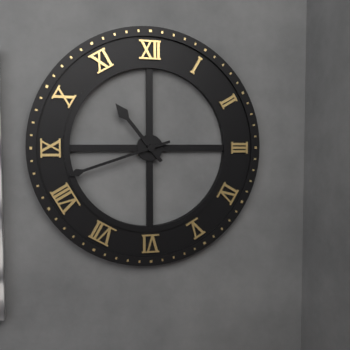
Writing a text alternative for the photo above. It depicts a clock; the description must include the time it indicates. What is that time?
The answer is 10:42
